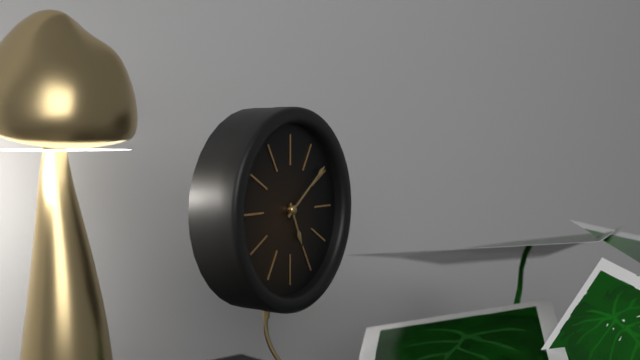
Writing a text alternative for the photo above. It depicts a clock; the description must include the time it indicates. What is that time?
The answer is 5:09
